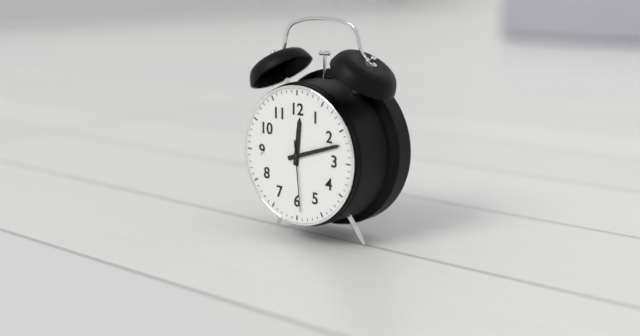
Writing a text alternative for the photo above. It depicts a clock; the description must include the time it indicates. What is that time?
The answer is 12:12:29
